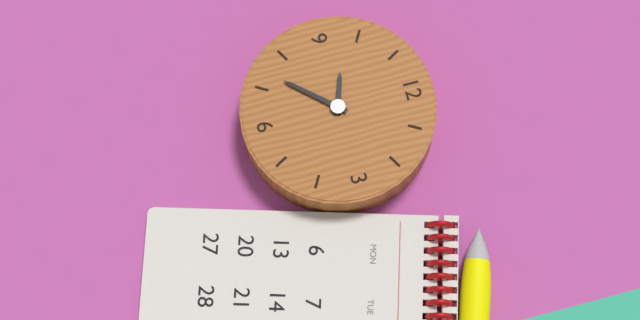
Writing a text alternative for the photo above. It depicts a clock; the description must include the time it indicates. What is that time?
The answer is 9:37
